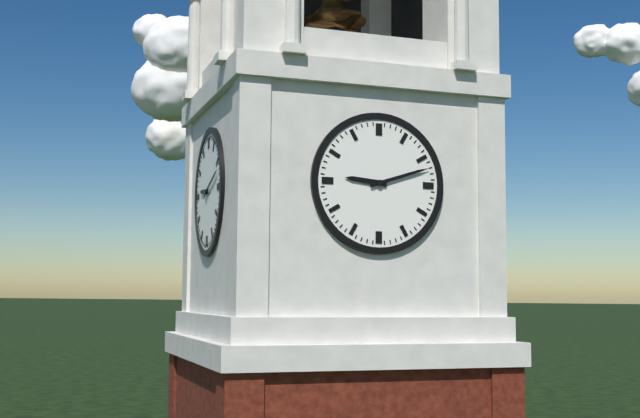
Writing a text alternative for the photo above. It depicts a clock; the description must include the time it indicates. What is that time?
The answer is 9:12
